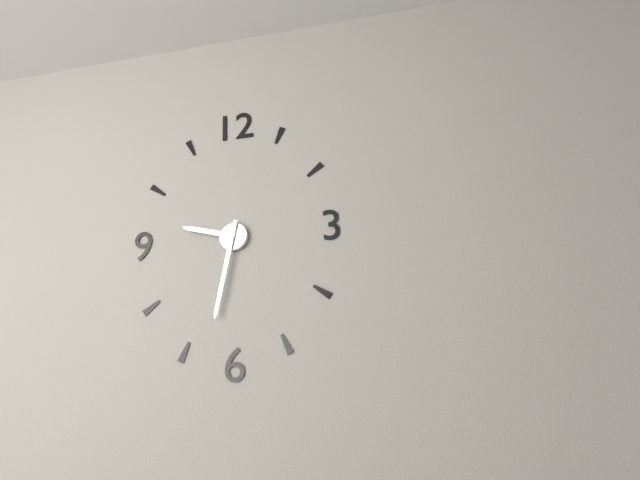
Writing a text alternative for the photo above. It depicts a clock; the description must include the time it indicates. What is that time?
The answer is 9:32
